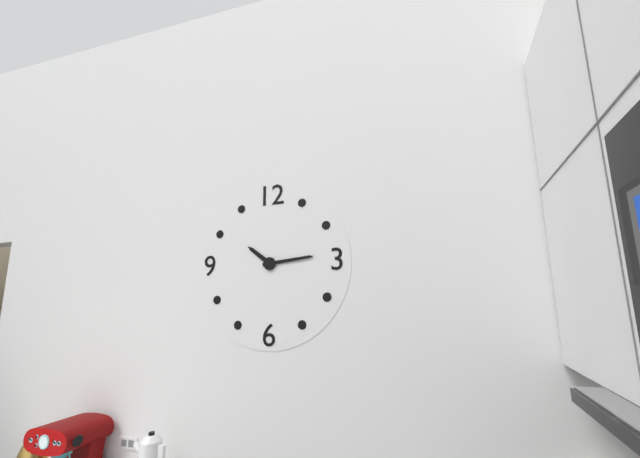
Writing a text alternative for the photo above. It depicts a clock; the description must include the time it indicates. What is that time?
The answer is 10:14
